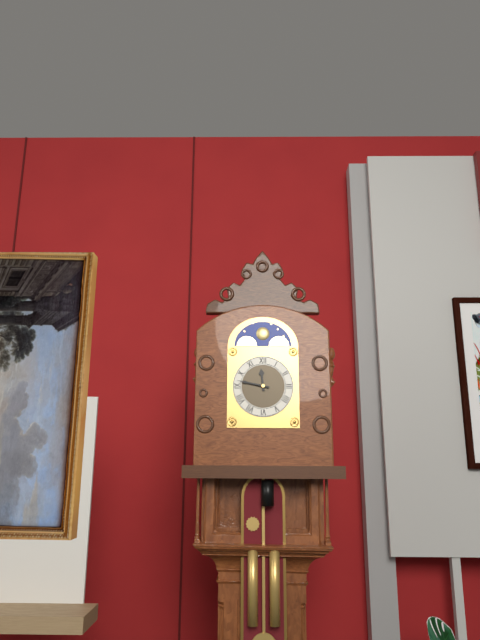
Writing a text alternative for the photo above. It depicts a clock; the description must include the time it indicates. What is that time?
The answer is 11:47
